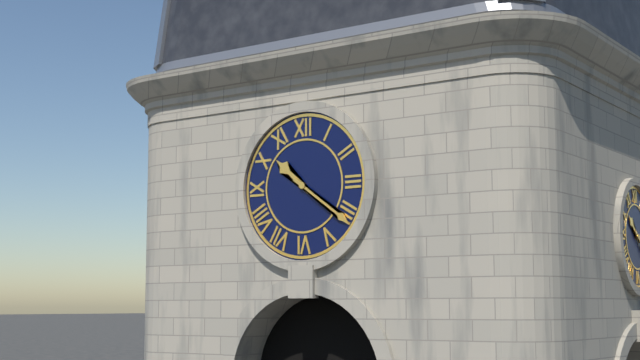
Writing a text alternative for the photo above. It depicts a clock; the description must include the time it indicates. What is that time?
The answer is 10:21
